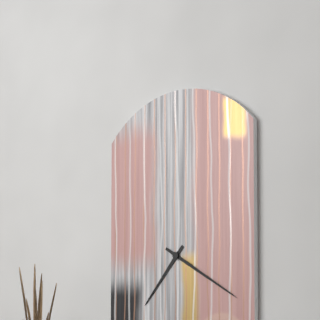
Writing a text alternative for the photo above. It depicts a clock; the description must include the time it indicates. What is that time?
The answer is 7:20
